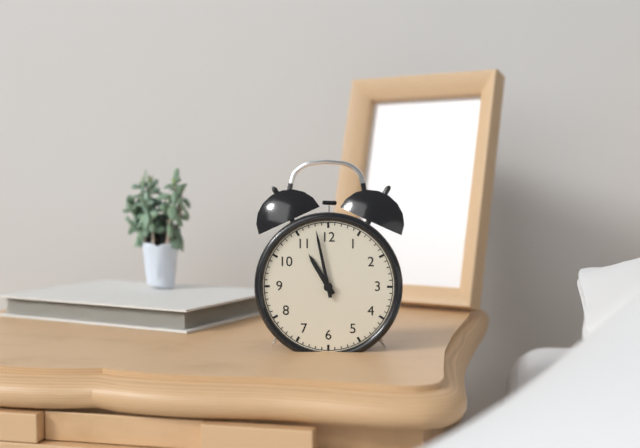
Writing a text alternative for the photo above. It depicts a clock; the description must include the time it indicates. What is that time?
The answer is 10:58
